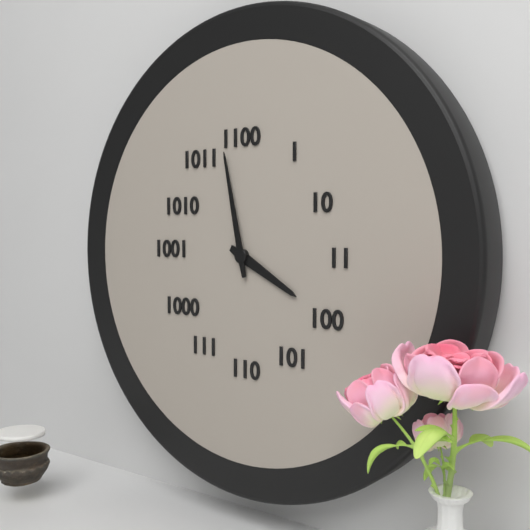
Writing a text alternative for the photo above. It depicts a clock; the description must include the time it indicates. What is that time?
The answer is 3:58
